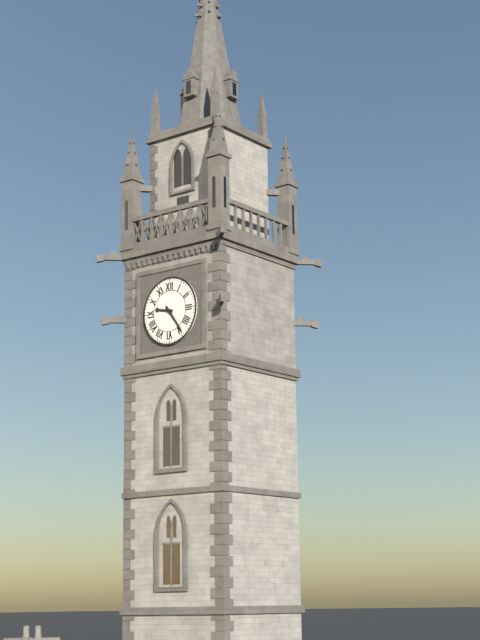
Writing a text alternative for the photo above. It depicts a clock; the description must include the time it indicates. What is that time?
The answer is 9:24
